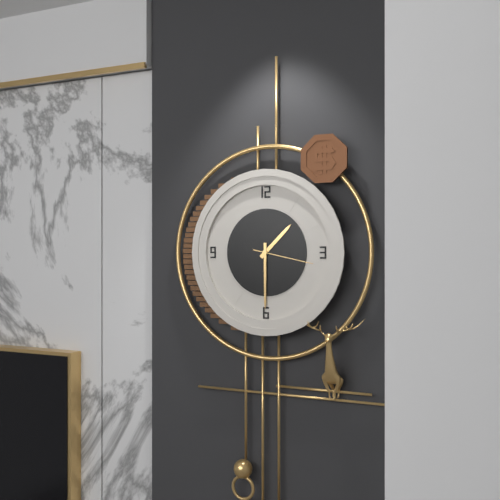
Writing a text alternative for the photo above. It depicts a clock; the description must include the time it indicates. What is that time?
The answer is 1:30:17
